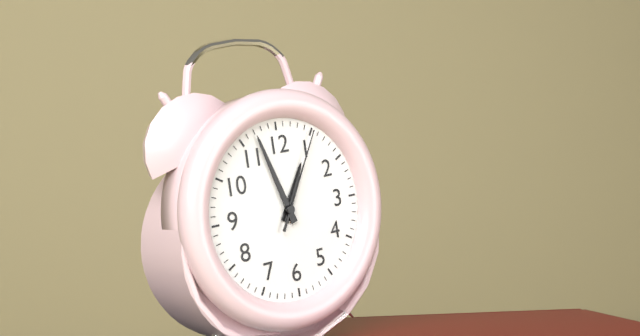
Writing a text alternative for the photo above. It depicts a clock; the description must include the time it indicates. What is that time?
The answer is 12:57:05
